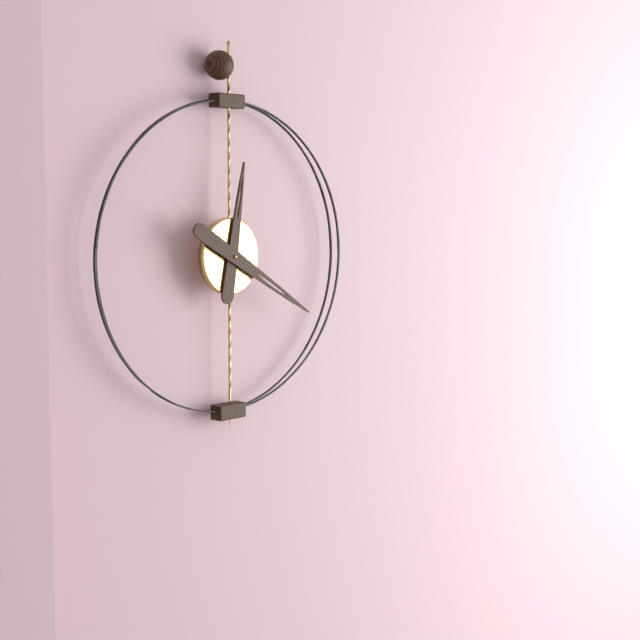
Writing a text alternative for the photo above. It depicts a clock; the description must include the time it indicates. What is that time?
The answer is 12:20
